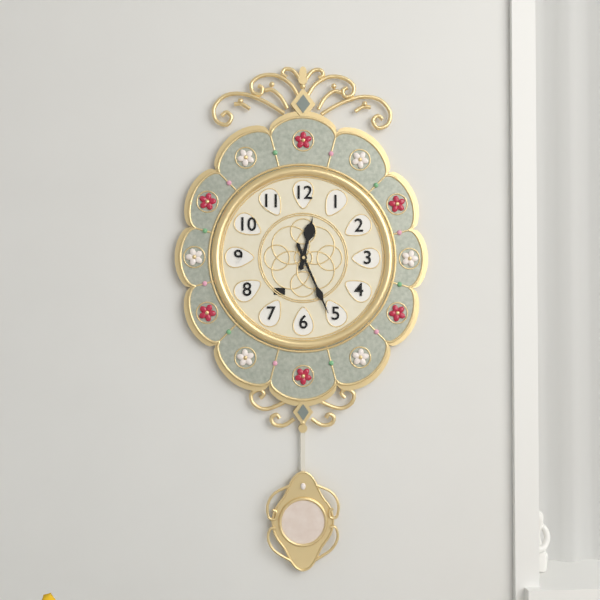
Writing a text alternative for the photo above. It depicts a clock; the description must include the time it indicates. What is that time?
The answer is 12:26
